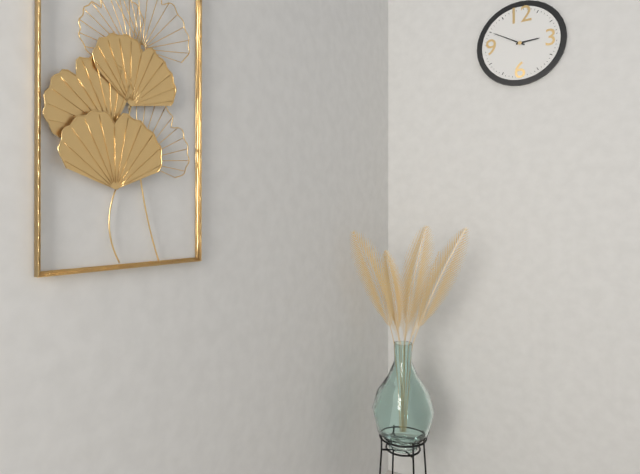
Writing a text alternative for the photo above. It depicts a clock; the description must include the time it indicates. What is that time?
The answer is 2:50
